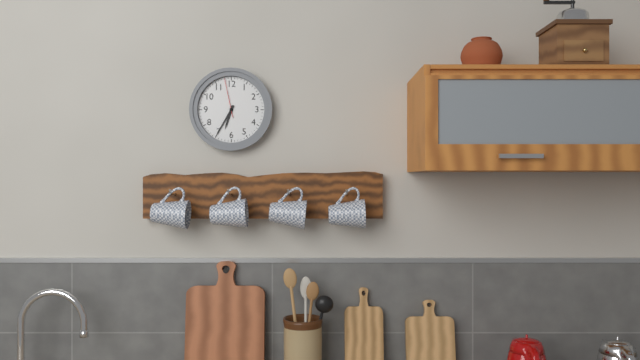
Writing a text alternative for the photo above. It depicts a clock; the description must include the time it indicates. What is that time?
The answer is 6:35
